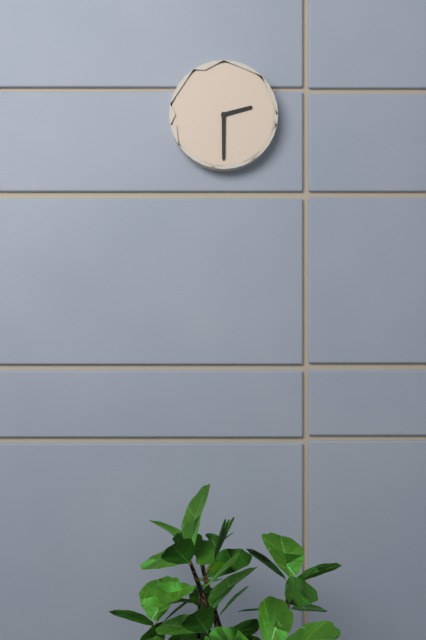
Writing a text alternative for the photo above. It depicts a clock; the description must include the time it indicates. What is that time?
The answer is 2:30
